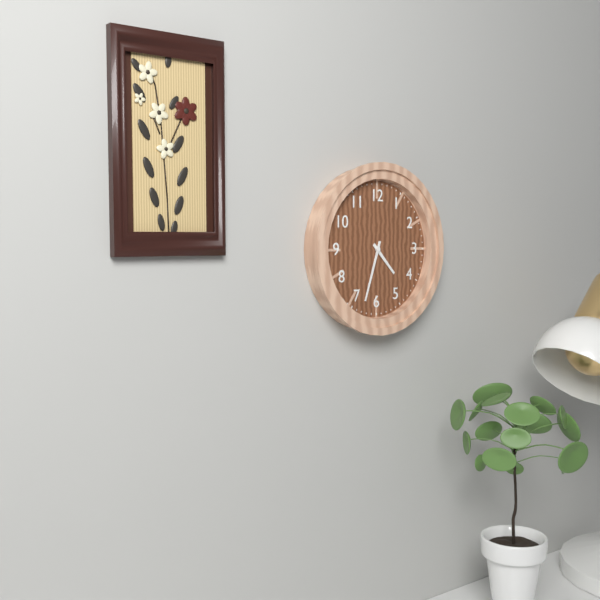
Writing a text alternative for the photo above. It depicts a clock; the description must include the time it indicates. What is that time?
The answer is 4:33
